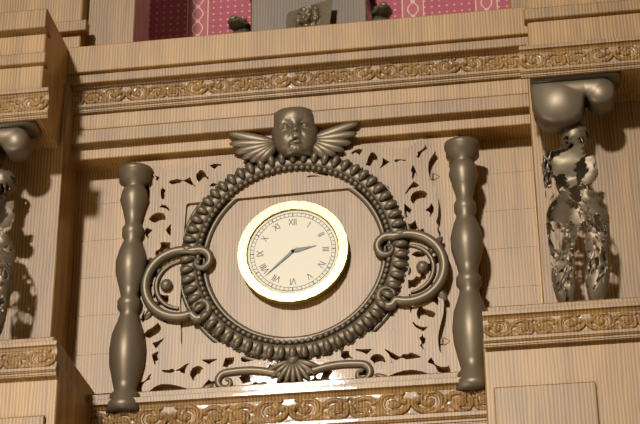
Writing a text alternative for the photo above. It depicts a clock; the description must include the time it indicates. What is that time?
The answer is 2:38
